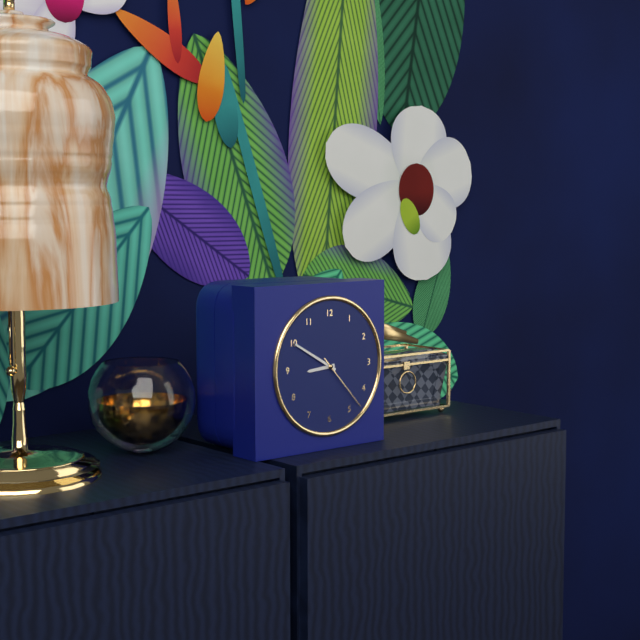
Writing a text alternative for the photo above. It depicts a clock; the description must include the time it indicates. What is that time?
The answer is 8:50:23
